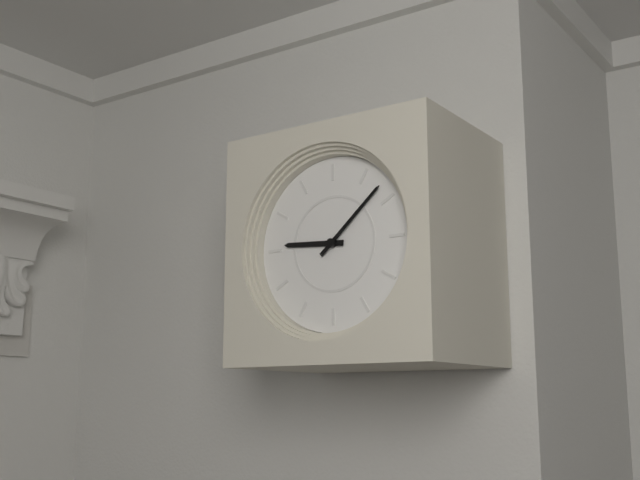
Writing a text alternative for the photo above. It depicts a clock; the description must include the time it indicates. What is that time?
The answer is 9:08
